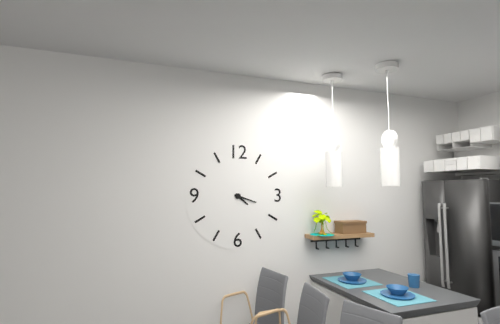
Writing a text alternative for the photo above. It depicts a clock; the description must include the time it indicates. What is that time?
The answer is 4:18
